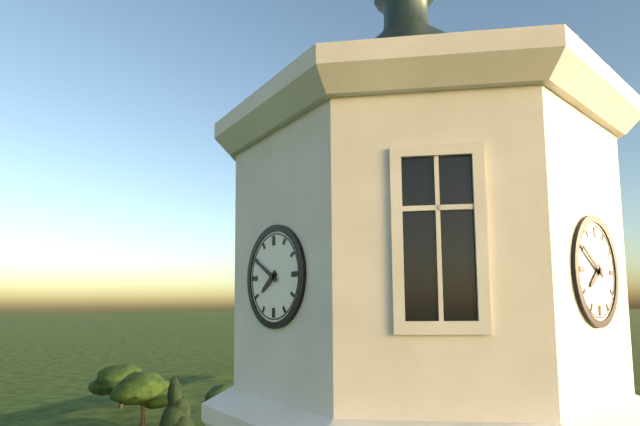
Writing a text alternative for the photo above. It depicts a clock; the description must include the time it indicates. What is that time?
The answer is 7:50
